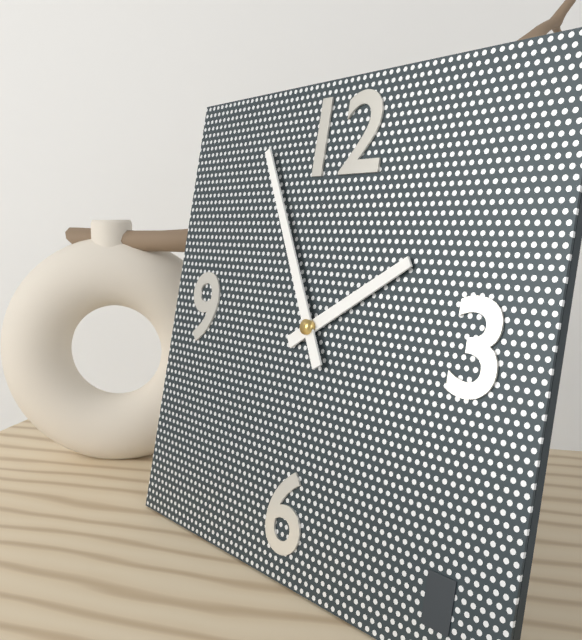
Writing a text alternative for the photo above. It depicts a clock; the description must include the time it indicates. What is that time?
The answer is 1:55
